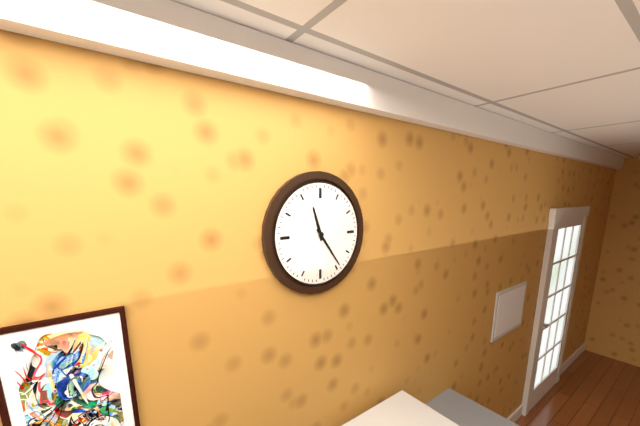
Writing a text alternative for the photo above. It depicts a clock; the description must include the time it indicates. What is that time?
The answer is 11:24
